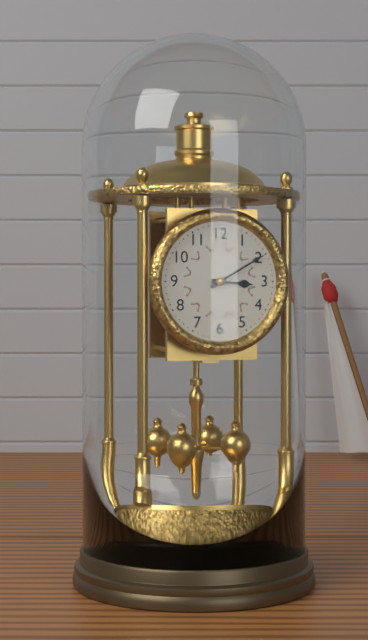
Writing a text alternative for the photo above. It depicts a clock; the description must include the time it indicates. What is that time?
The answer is 3:10
